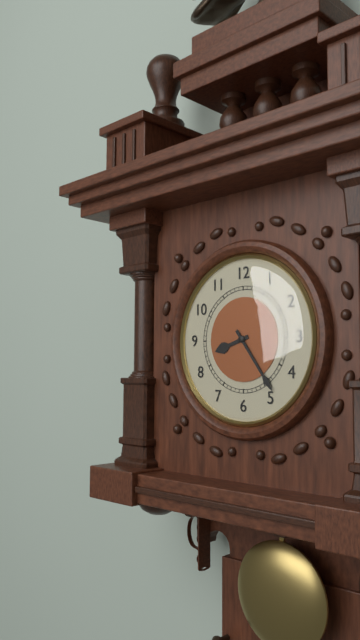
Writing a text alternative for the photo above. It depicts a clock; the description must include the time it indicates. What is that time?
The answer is 8:24
